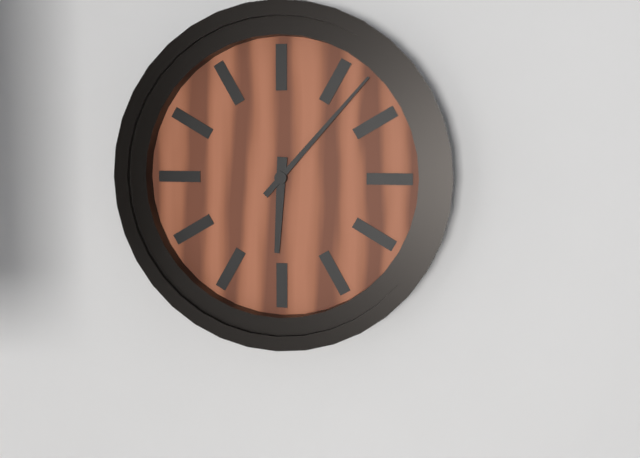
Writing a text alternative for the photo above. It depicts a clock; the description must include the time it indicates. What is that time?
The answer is 6:07
